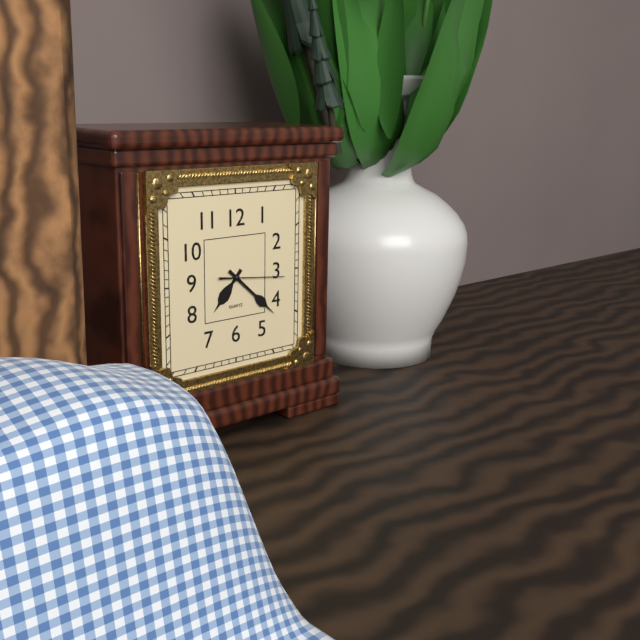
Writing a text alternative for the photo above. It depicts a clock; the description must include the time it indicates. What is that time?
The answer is 7:22:16
